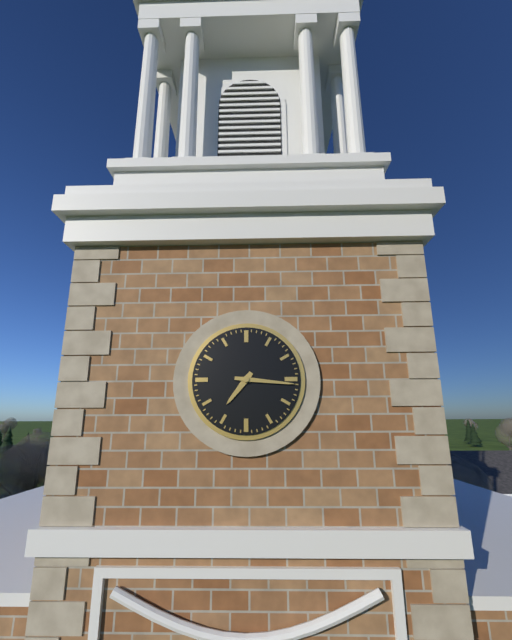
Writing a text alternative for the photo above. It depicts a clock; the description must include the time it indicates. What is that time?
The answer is 7:16
